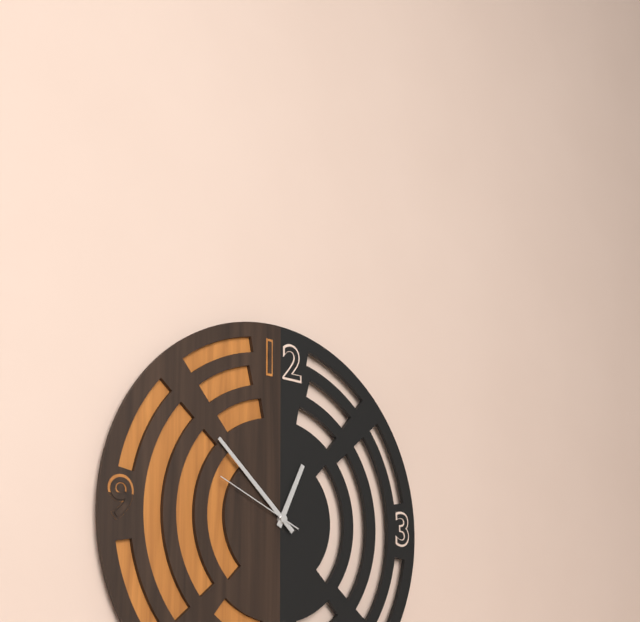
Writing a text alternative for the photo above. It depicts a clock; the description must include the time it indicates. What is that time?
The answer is 12:52:49
